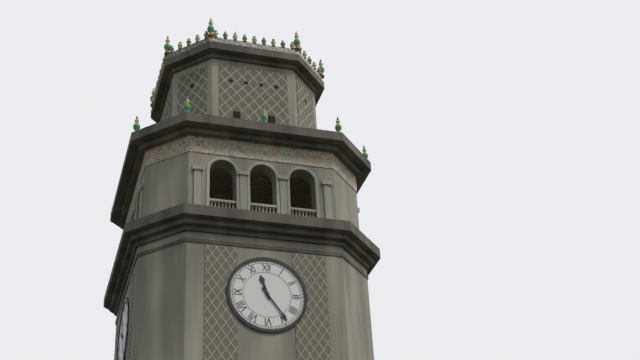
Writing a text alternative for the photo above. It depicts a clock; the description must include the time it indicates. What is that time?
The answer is 11:24
